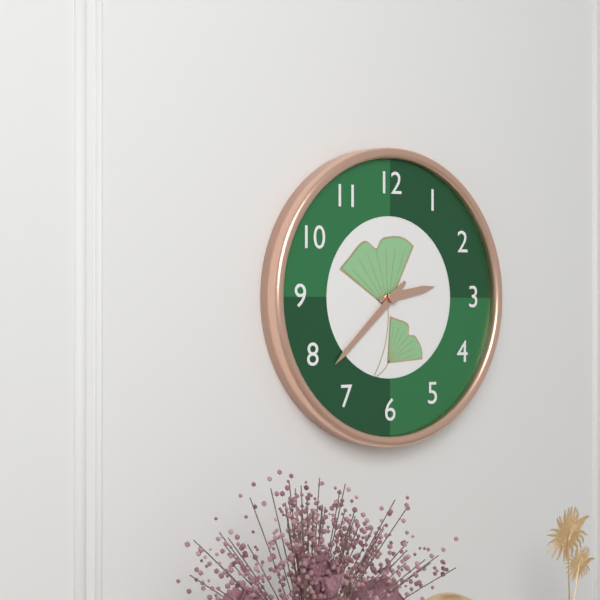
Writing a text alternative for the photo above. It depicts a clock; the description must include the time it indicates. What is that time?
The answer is 2:38
